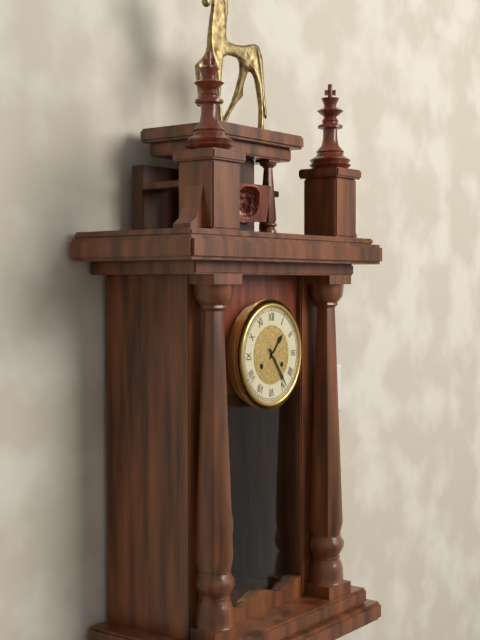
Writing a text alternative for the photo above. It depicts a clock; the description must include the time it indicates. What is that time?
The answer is 1:24
